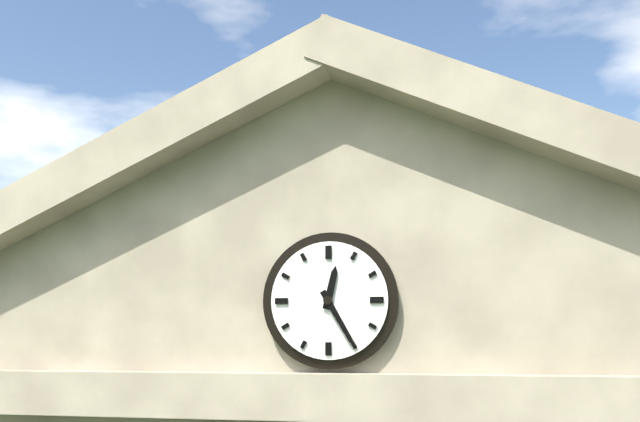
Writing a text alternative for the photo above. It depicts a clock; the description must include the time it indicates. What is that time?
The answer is 12:25
